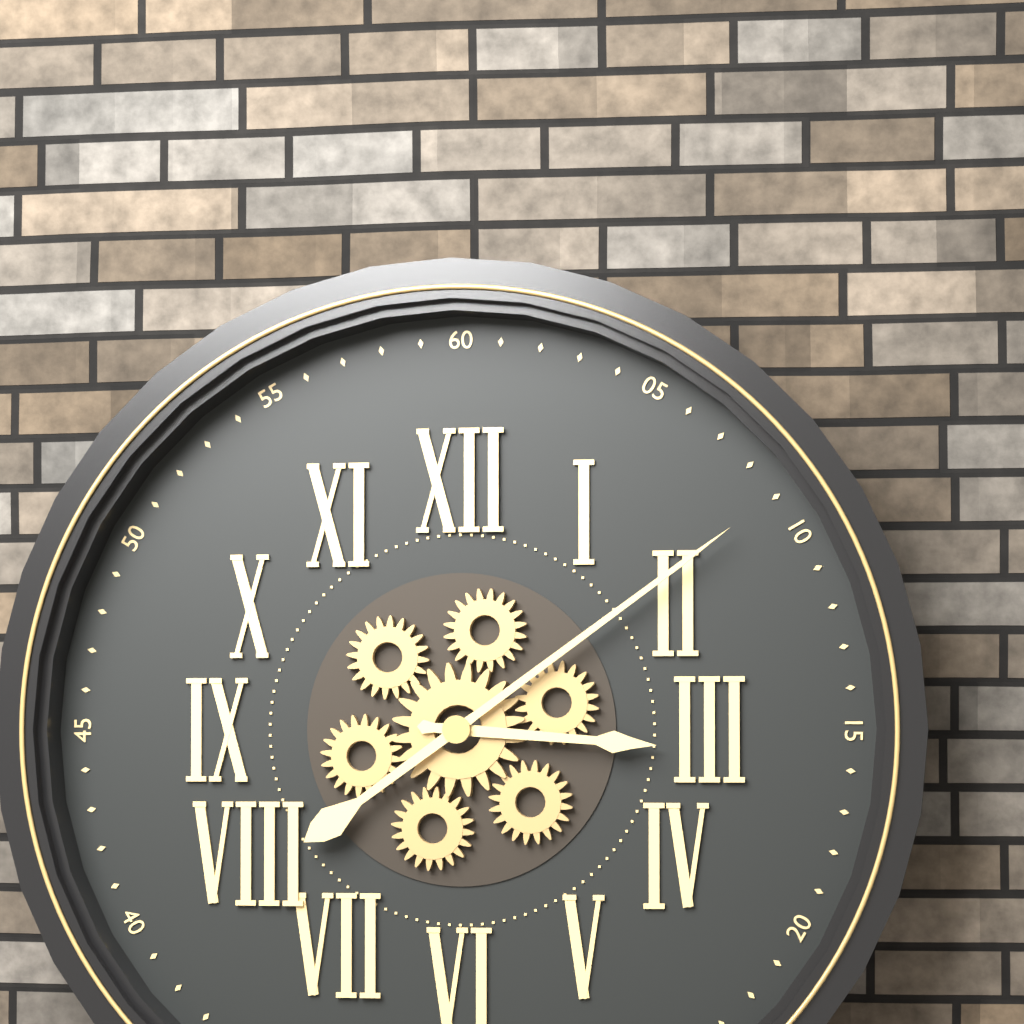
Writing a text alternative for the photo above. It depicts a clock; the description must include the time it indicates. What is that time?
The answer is 3:09
